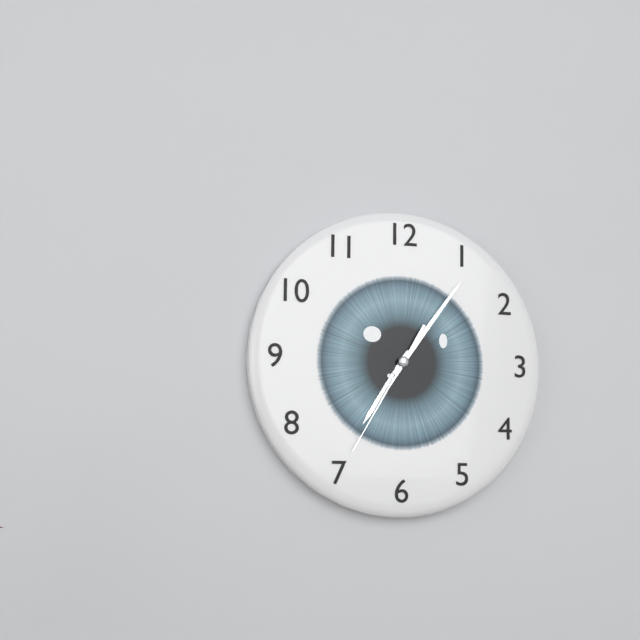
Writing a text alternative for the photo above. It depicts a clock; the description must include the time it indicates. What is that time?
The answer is 7:06:35
